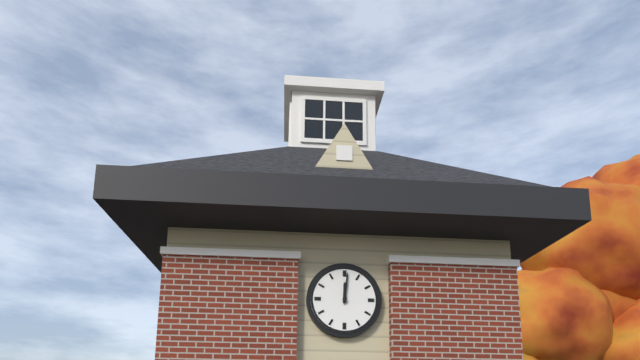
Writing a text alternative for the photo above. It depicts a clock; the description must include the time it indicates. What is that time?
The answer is 12:01
